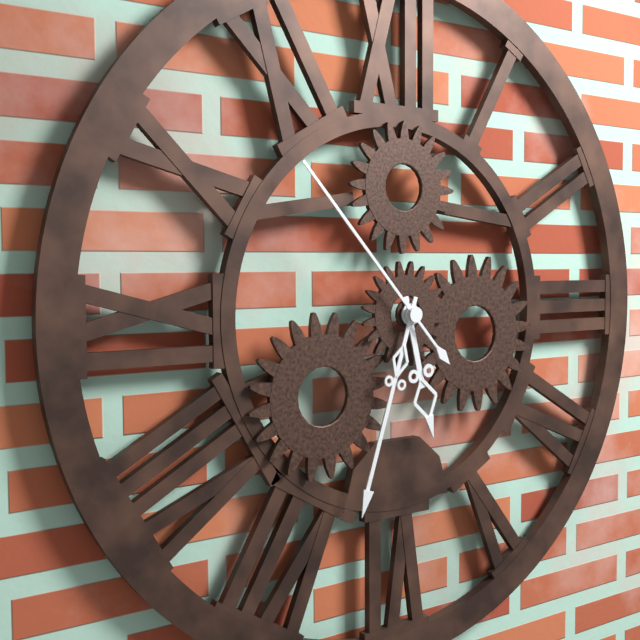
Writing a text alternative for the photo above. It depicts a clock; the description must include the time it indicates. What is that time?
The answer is 5:33:53
